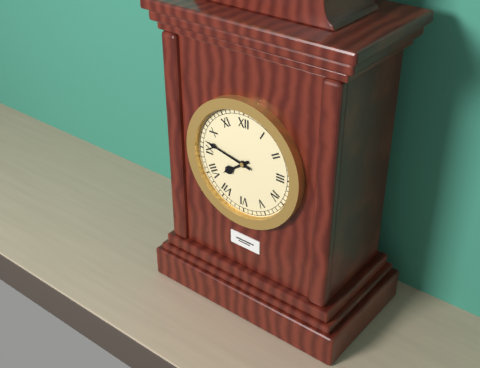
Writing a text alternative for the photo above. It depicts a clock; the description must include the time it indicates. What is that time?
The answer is 7:47
